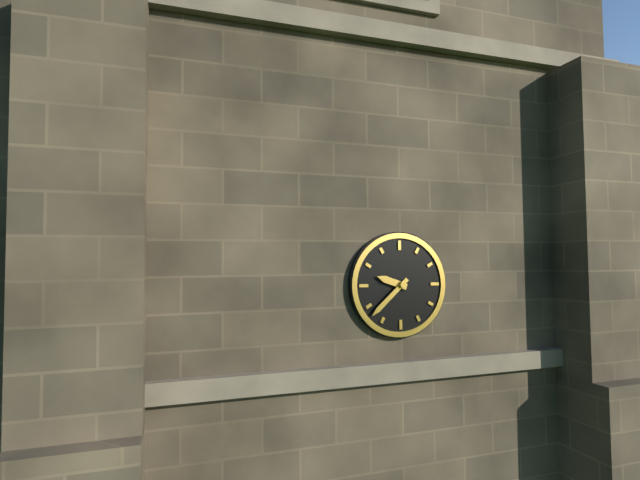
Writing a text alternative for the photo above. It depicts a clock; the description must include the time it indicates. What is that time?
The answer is 9:38
